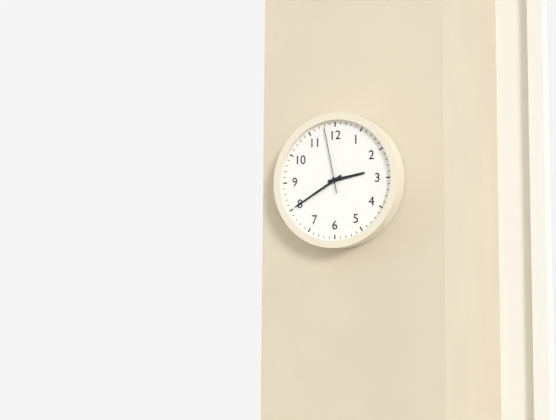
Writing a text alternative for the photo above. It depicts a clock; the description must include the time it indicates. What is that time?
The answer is 2:40:58
